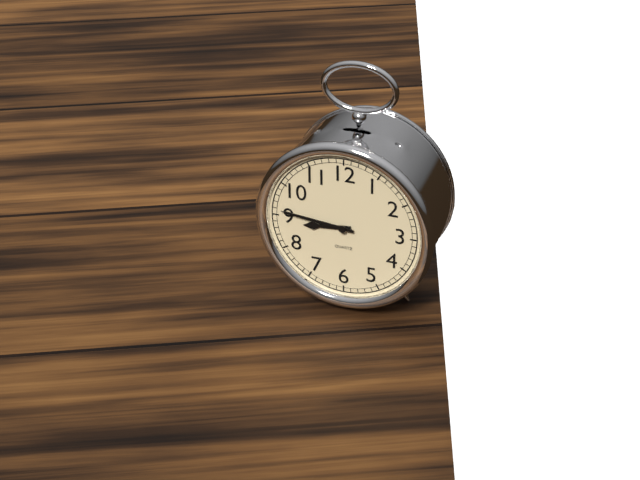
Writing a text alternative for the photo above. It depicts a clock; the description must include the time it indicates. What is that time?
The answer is 8:46
